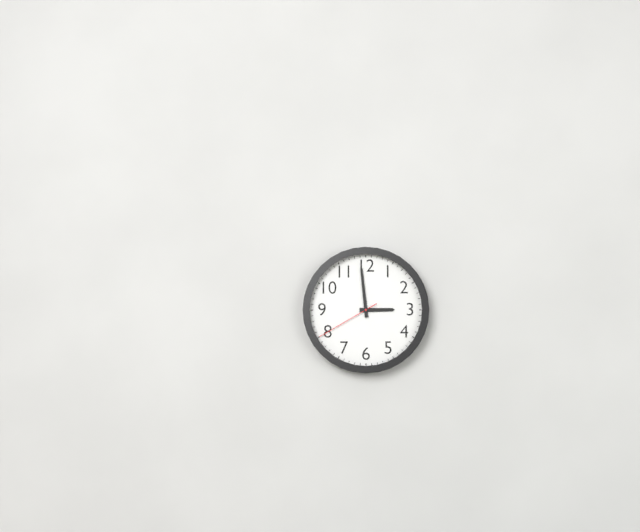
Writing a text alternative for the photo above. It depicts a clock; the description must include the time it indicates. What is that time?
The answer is 2:59:40
